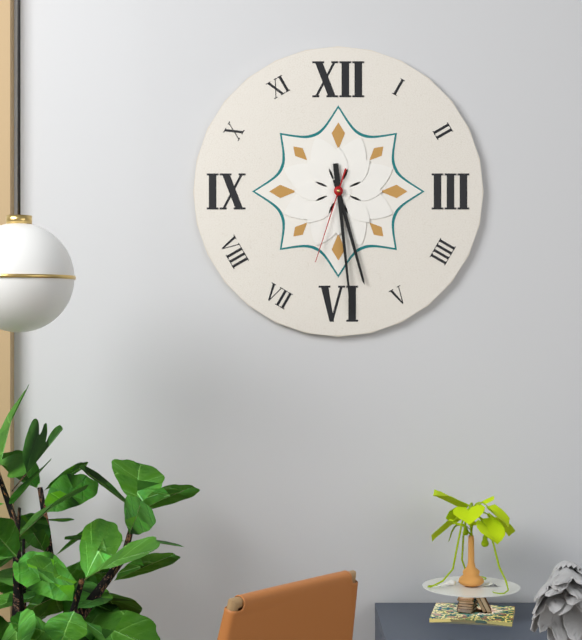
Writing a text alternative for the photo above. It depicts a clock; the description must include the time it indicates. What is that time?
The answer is 5:29:33
